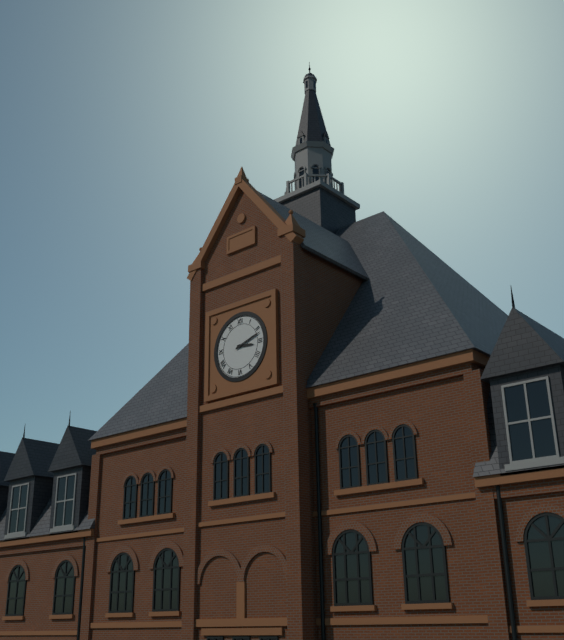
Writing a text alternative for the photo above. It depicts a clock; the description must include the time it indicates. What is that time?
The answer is 3:12
